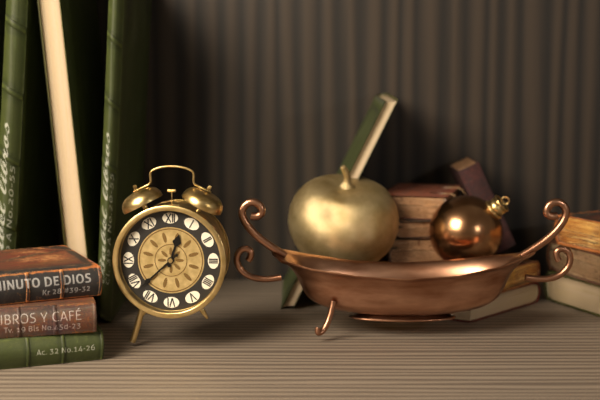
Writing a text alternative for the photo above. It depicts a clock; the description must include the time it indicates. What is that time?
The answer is 12:38
